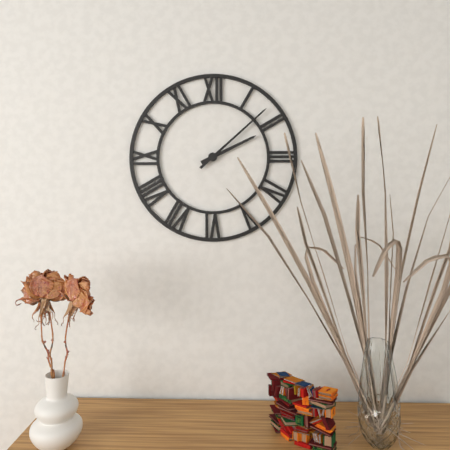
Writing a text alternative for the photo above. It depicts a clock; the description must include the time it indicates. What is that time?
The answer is 2:08
